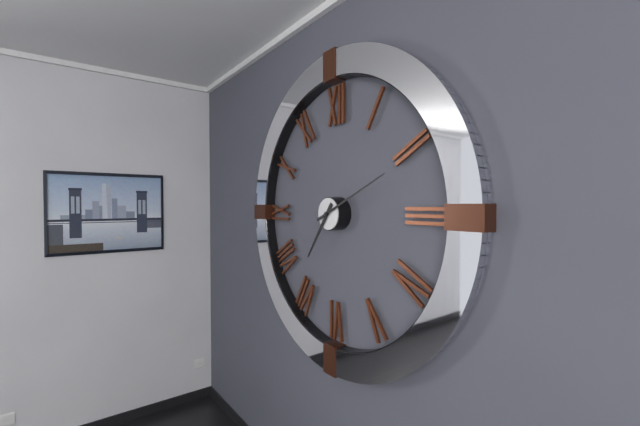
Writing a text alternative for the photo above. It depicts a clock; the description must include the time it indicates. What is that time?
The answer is 7:11
